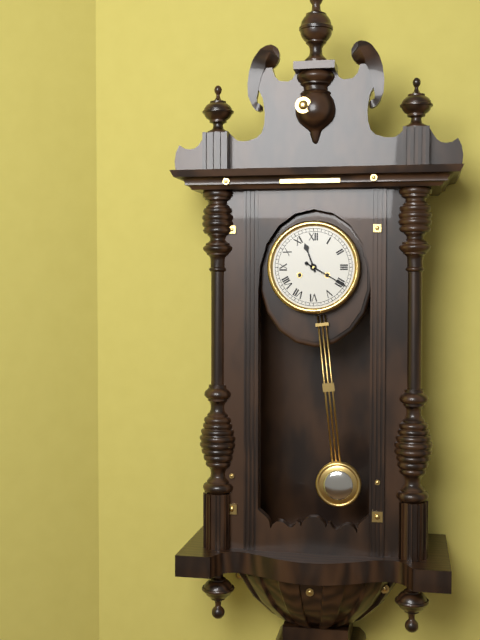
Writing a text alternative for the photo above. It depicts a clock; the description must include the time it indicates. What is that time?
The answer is 11:20
